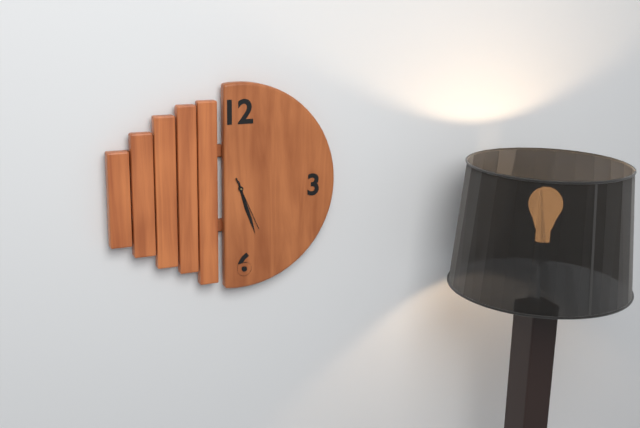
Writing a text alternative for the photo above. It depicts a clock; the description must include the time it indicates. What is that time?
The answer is 5:27:26
